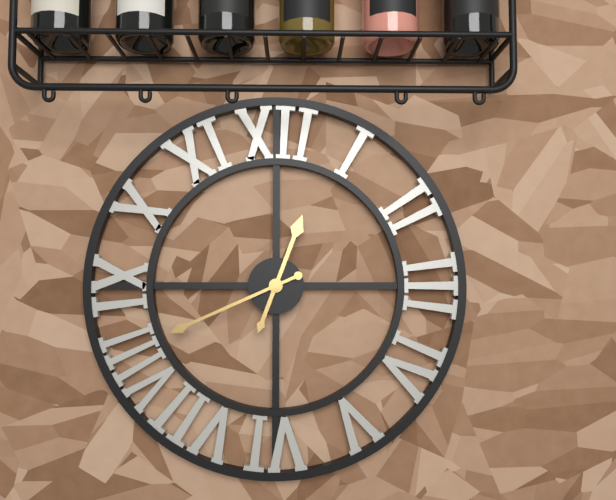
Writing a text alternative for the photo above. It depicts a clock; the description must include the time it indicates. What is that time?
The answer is 12:41
